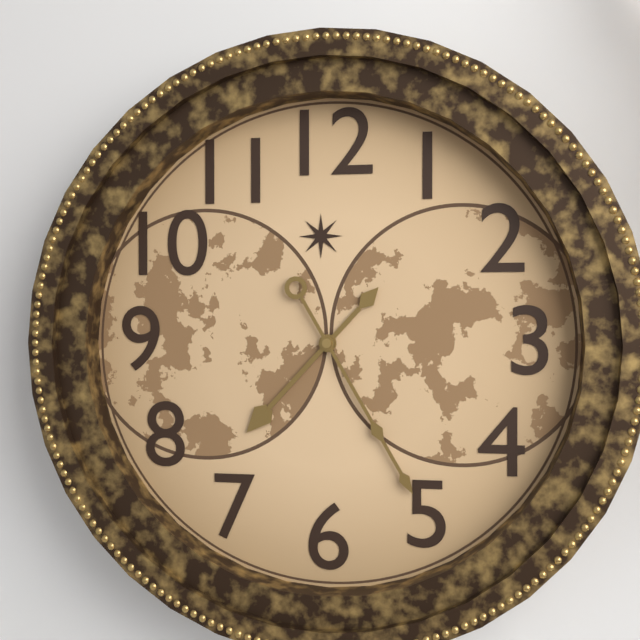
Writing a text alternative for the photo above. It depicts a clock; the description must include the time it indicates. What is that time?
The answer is 7:25
